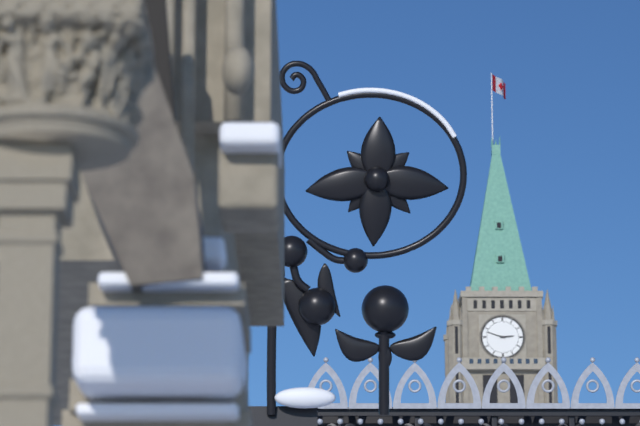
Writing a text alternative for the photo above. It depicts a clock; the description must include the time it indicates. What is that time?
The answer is 2:48
